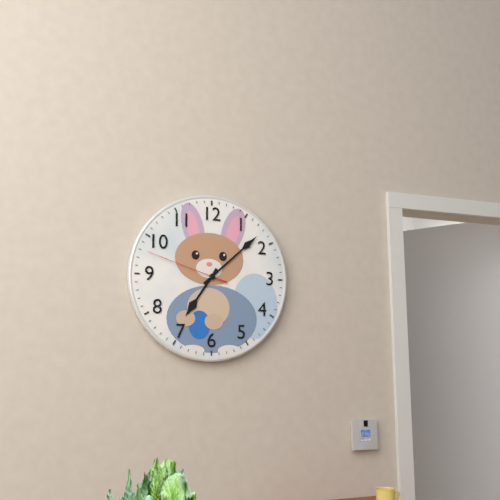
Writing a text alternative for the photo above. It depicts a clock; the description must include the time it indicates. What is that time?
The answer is 7:08:48
